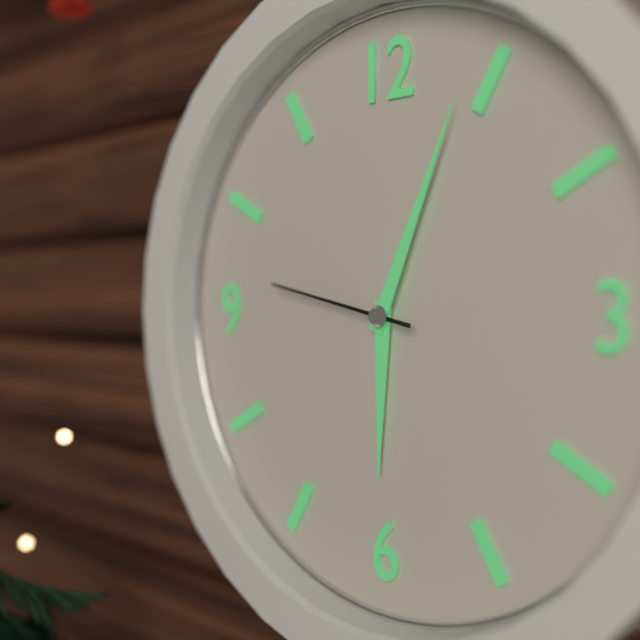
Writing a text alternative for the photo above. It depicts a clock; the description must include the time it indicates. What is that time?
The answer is 6:04:47
